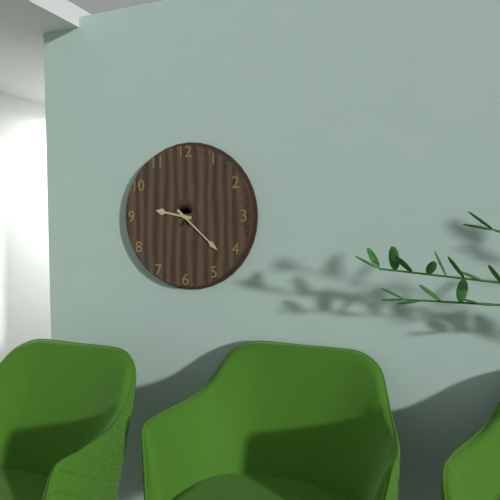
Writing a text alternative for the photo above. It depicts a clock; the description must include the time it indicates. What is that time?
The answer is 9:22
